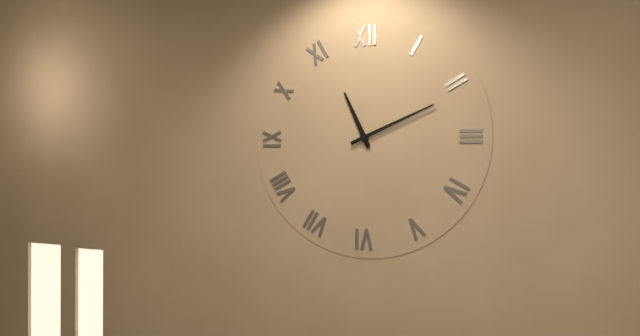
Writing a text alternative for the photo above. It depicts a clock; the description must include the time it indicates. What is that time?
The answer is 11:11
